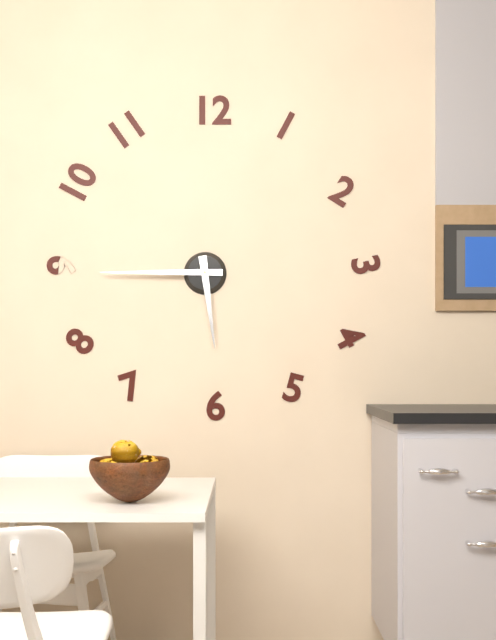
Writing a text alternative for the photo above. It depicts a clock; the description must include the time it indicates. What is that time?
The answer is 5:45
